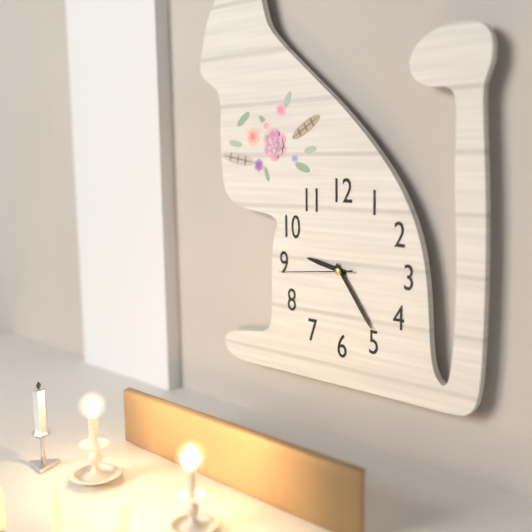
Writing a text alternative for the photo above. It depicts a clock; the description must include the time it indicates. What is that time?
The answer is 9:24:44
